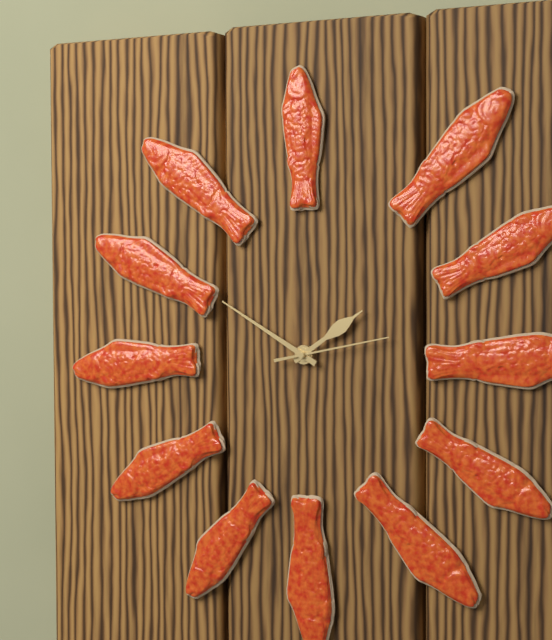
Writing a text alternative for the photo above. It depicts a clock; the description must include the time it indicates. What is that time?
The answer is 1:50:13
